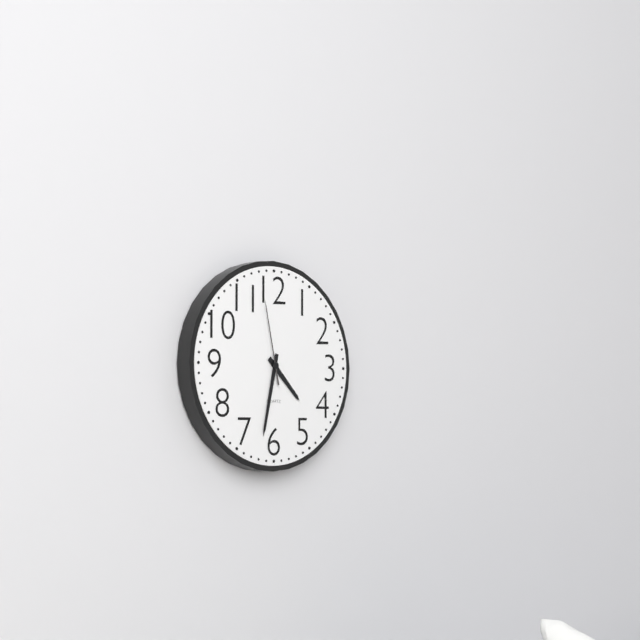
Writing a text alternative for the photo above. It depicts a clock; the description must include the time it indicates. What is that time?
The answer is 4:32:58
